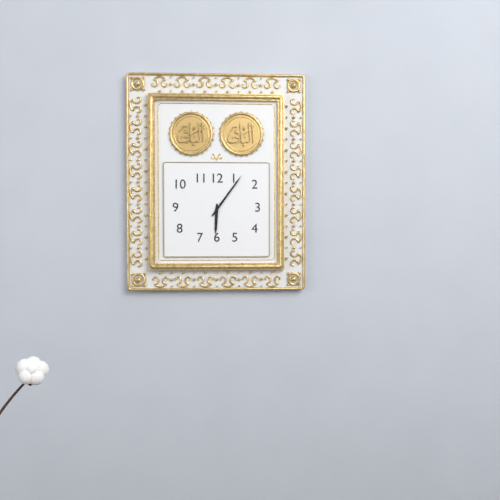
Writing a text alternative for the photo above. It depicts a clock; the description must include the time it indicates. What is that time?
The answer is 6:06
